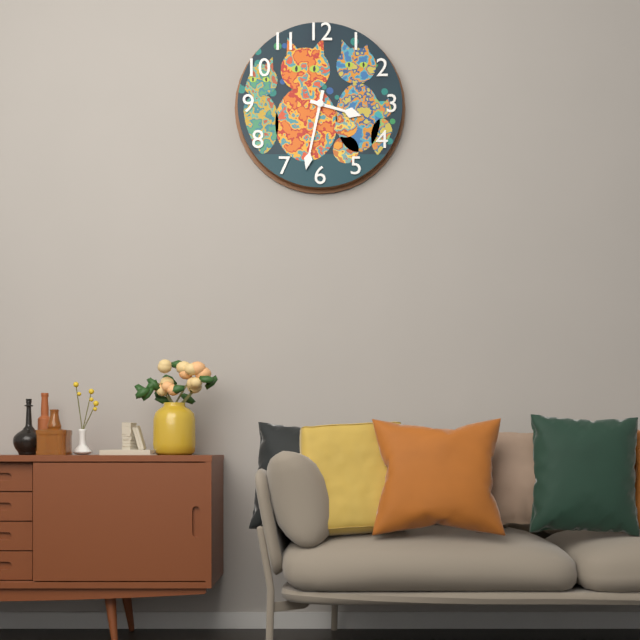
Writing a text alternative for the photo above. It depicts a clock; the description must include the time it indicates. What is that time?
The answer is 3:32
